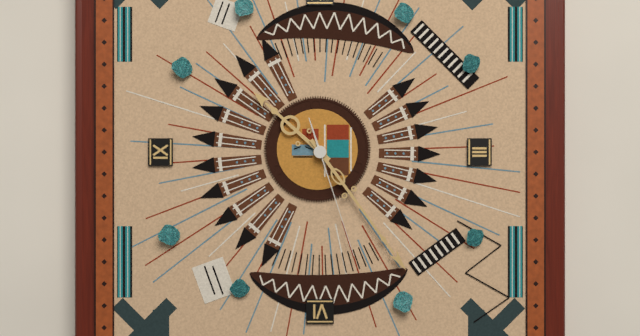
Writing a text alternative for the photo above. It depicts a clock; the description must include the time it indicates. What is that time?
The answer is 10:24:27
